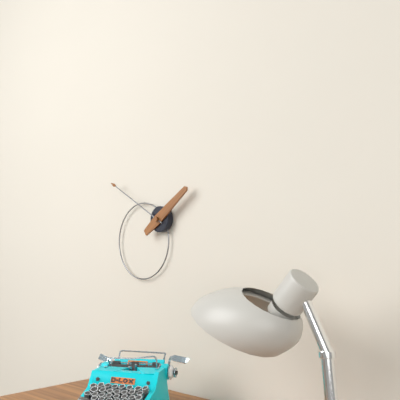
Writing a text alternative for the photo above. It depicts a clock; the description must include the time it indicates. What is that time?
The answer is 1:50
